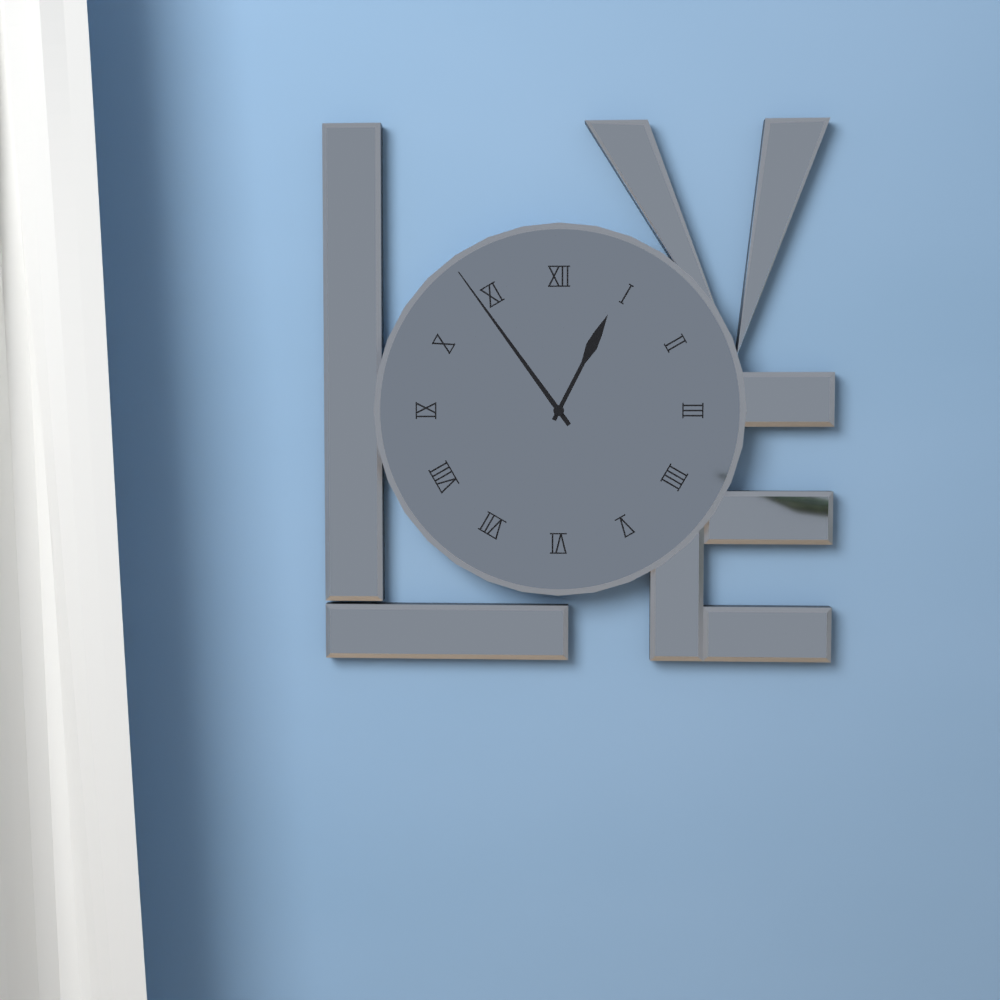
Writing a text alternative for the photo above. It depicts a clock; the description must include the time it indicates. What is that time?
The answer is 12:54
